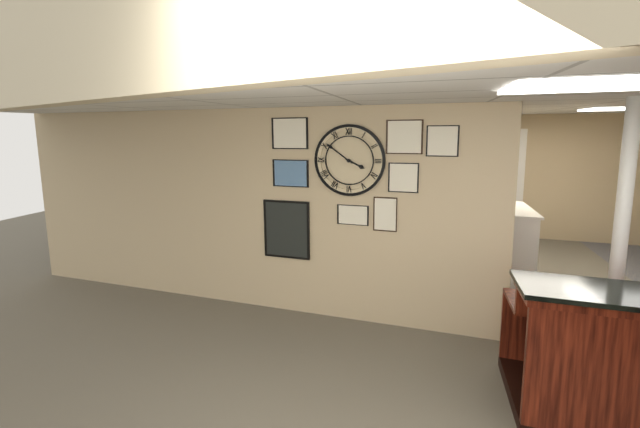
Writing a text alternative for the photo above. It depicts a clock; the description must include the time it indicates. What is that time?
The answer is 3:51
